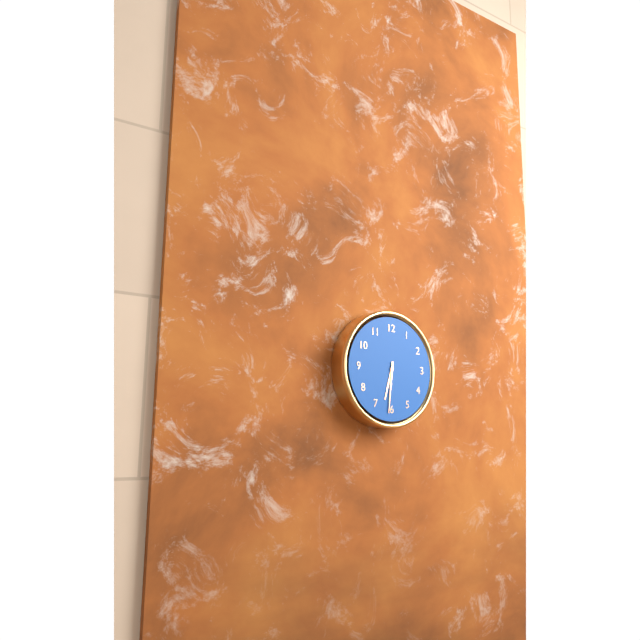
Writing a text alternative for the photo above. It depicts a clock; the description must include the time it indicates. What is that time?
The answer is 6:31
